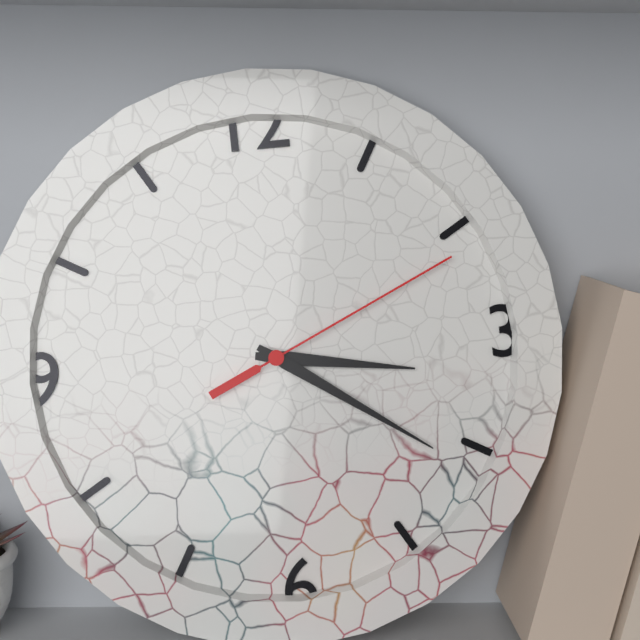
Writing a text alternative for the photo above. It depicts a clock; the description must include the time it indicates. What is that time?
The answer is 3:21:11
